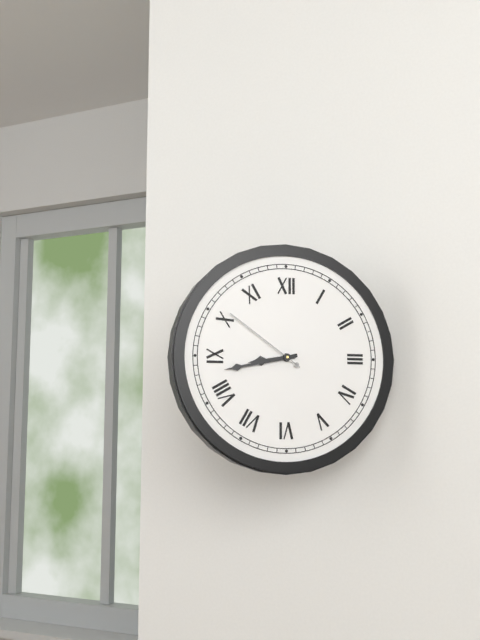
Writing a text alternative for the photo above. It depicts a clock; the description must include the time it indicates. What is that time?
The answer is 8:43:51
